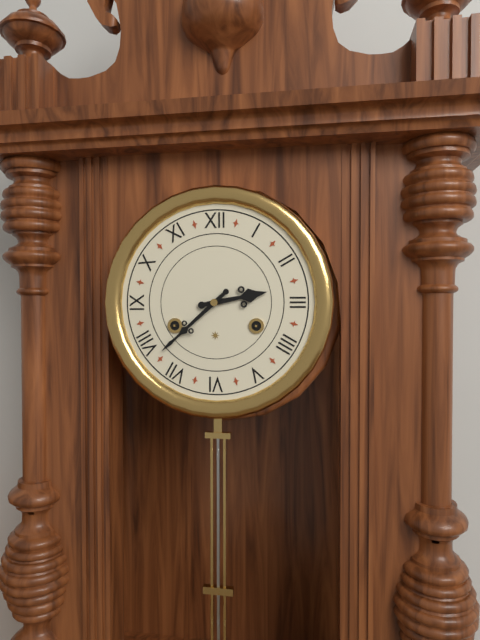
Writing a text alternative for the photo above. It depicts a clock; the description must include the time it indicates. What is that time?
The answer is 2:38
